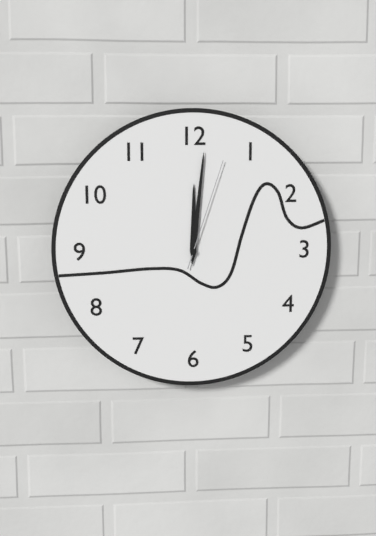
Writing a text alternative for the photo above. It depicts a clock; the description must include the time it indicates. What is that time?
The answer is 12:01:03
